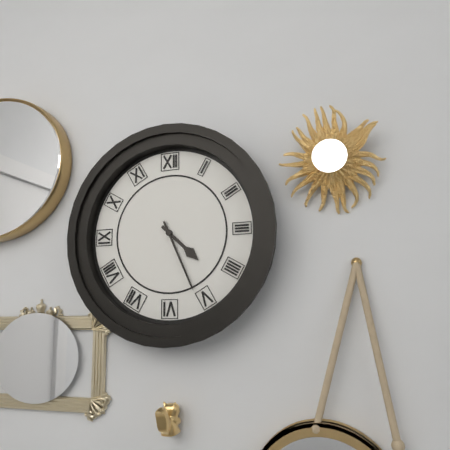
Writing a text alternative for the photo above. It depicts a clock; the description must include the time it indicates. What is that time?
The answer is 4:26
